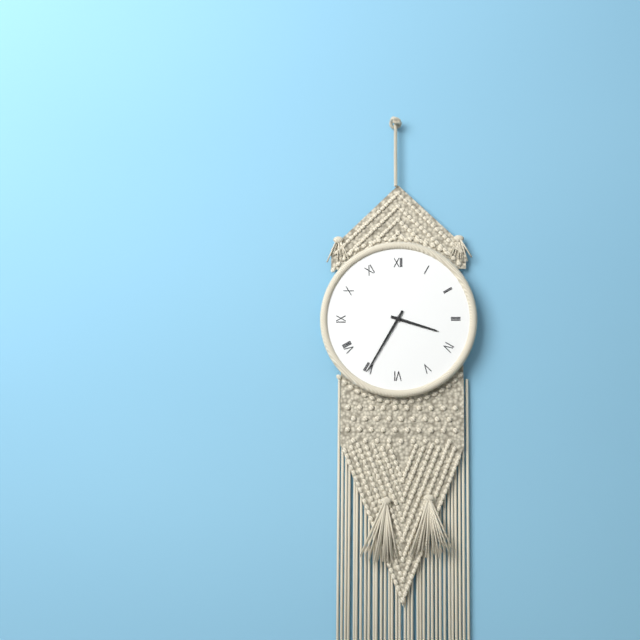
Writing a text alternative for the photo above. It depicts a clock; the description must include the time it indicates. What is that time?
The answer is 3:35
